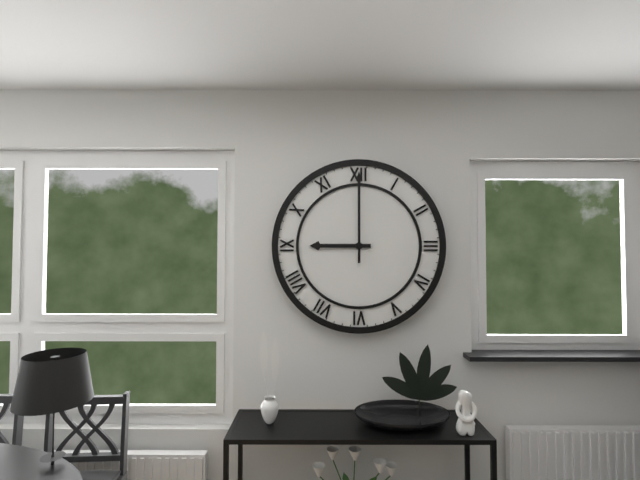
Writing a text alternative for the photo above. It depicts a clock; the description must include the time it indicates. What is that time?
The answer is 9:00
